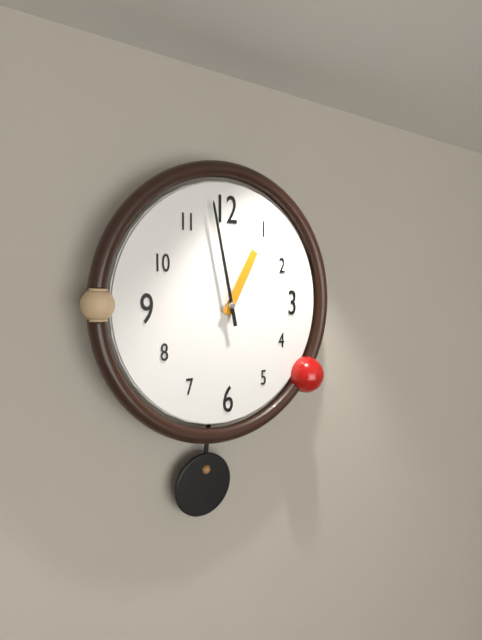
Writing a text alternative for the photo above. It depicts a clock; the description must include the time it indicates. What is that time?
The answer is 12:58
